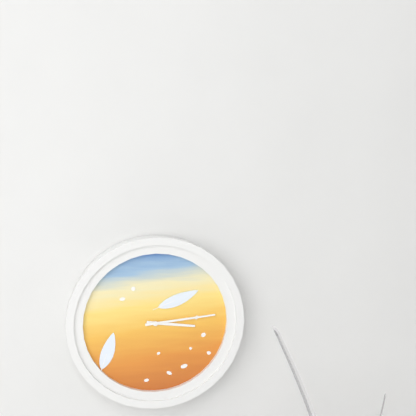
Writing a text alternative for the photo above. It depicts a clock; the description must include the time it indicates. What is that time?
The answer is 3:14
